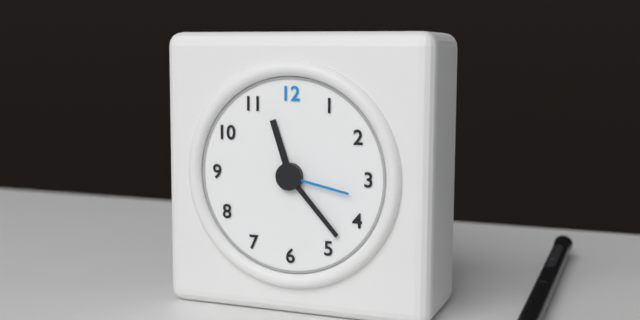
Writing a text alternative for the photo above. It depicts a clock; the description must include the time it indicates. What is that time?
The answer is 11:23:17
